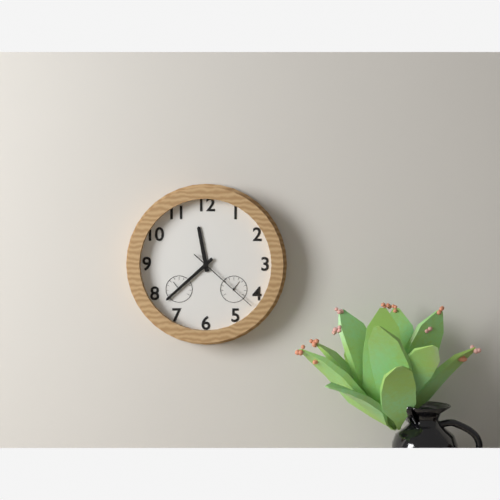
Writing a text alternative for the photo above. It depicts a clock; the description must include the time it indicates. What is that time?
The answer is 11:38:22
